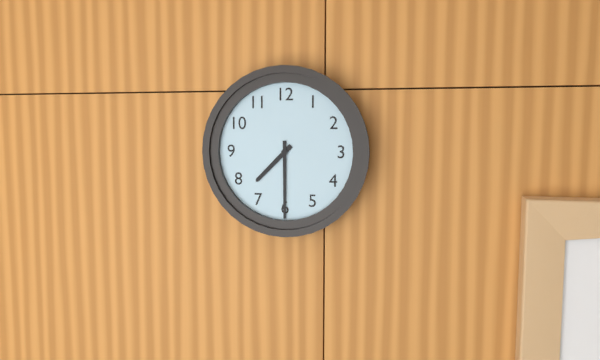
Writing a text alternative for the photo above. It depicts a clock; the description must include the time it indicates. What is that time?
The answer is 7:30
